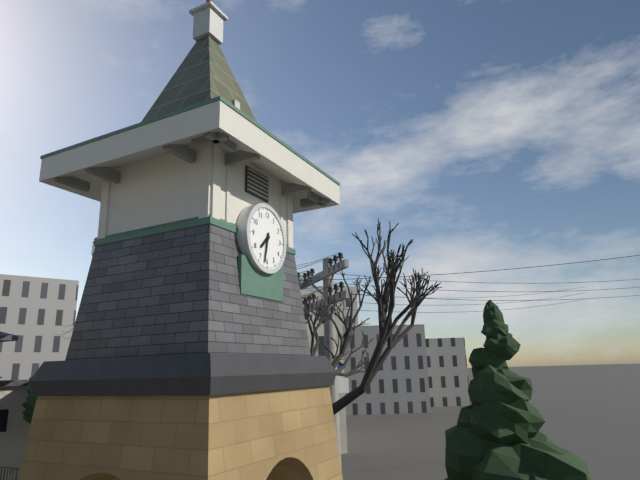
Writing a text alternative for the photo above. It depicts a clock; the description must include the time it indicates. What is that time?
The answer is 7:32
